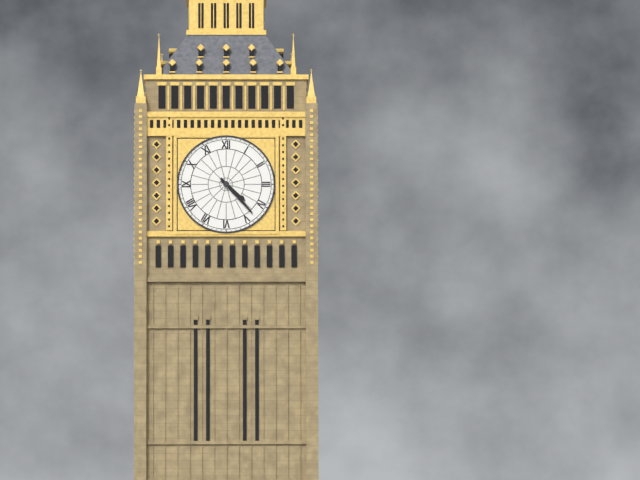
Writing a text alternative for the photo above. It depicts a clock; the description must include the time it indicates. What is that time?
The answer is 4:23
